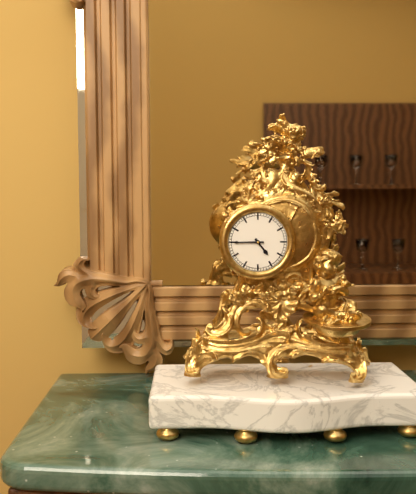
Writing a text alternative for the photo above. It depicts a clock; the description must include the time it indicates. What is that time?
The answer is 4:45
